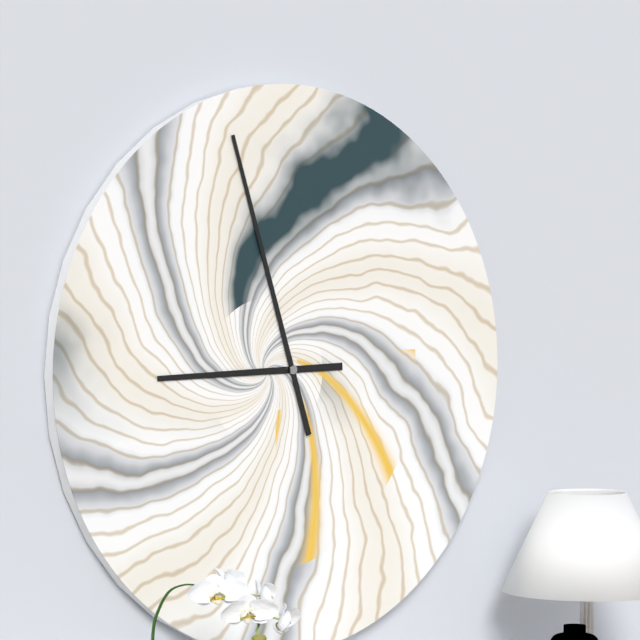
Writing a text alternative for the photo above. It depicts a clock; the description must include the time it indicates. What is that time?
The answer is 8:57
